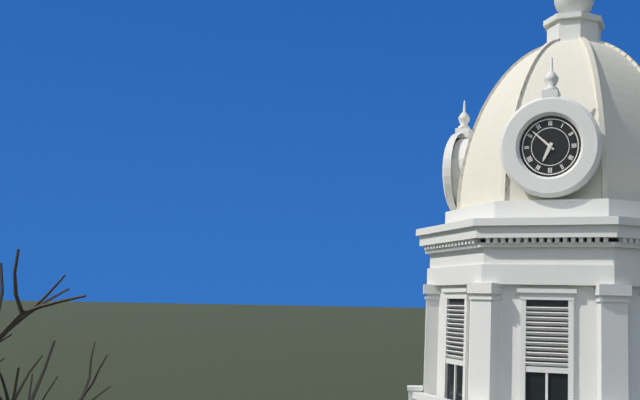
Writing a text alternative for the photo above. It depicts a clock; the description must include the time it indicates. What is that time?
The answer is 6:52
